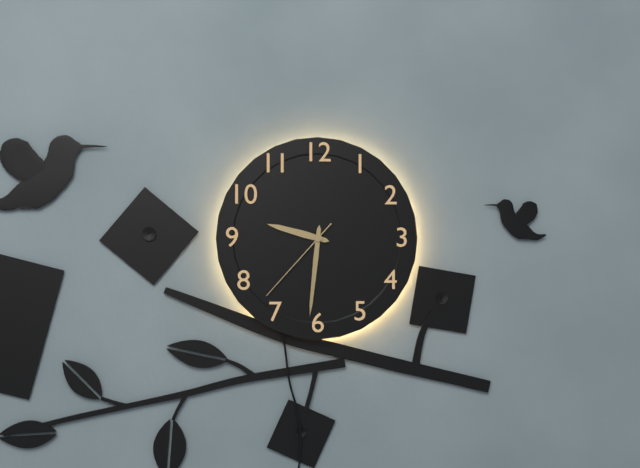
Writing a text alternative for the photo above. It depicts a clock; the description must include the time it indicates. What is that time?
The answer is 9:31:37
